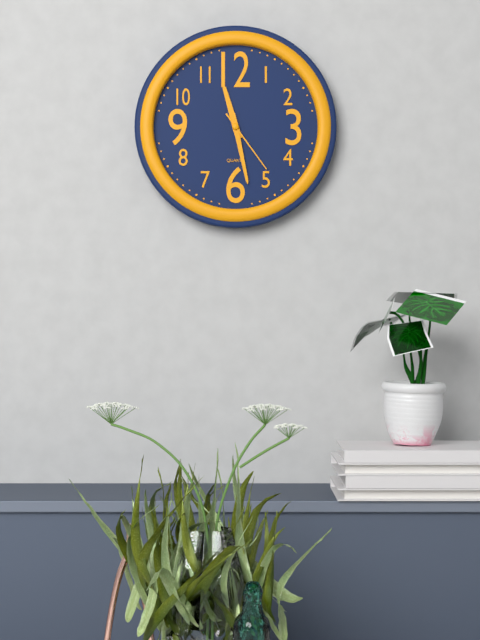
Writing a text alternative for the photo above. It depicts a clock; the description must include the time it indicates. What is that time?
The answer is 11:28:24
